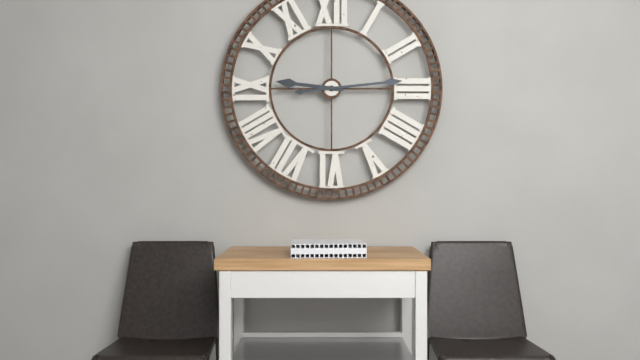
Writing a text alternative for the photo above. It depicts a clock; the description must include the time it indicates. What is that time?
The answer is 9:14
